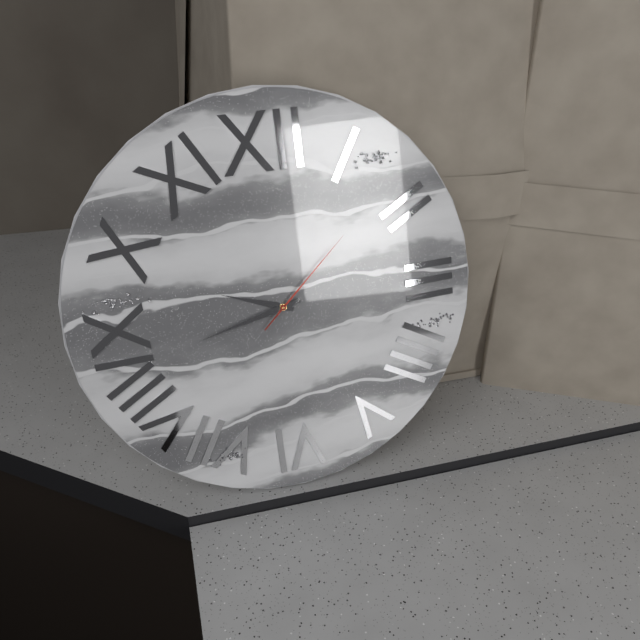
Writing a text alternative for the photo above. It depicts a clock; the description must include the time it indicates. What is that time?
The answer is 9:43:08
